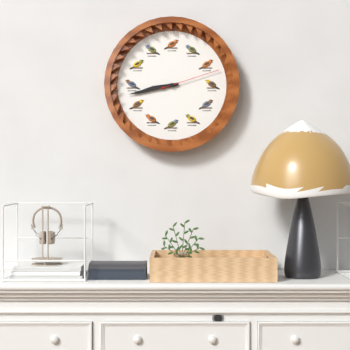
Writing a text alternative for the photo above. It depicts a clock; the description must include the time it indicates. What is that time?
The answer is 8:43:12
